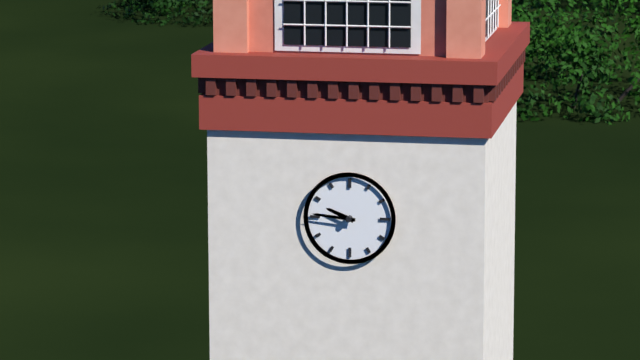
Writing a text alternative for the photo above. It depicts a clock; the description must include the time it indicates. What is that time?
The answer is 9:46
